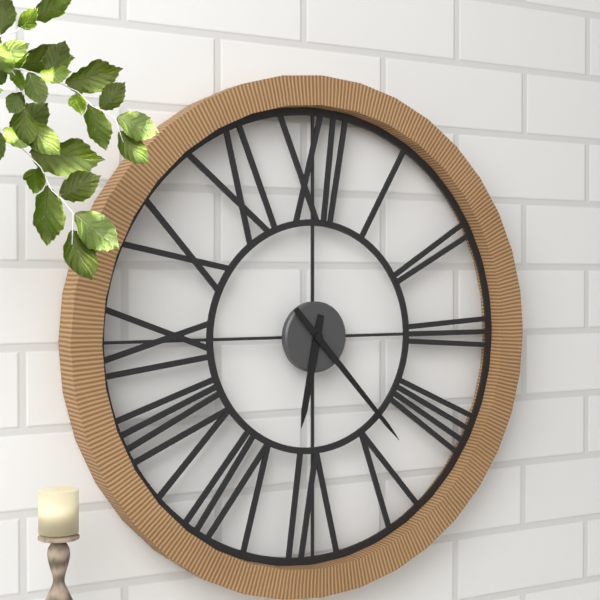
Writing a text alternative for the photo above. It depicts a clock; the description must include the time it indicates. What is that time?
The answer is 6:23
